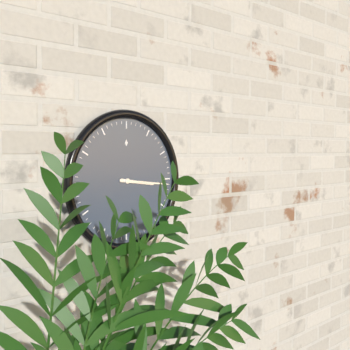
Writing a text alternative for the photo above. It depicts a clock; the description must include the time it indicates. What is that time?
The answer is 3:16
